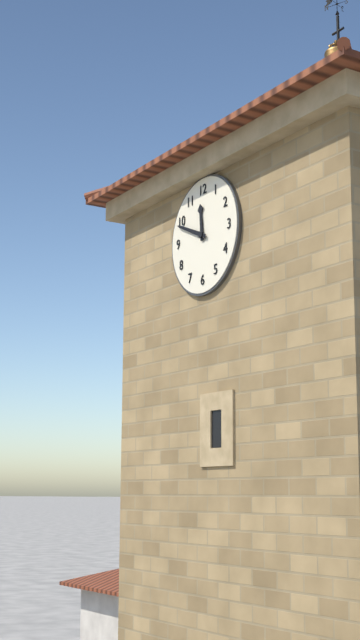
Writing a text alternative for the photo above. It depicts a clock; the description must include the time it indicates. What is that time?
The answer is 11:49
